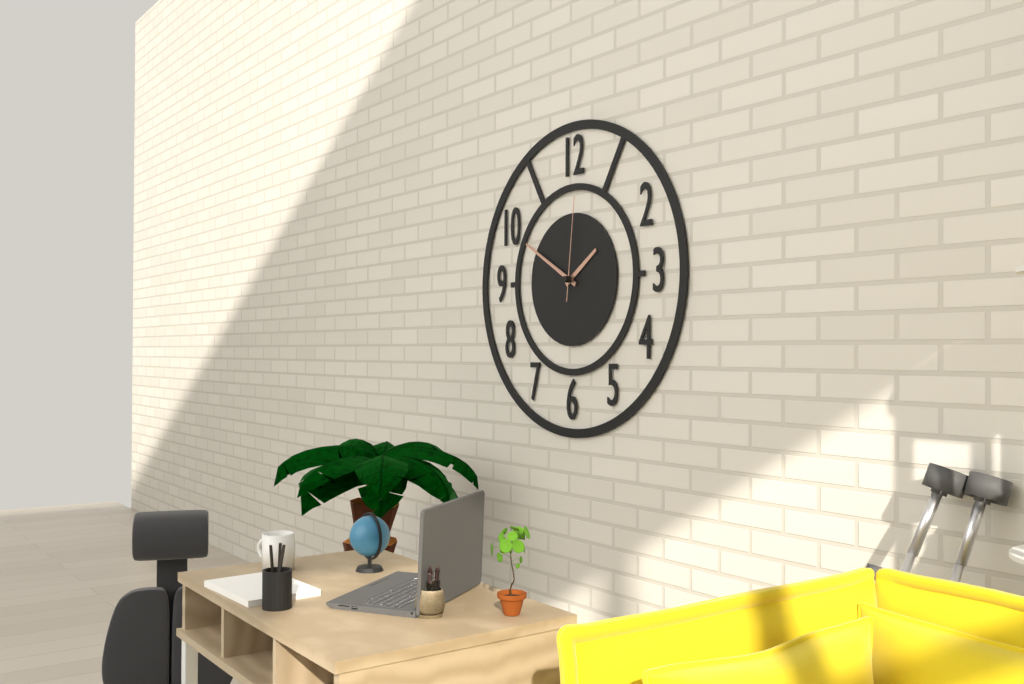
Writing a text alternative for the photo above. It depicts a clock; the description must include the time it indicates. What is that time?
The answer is 1:50:01
